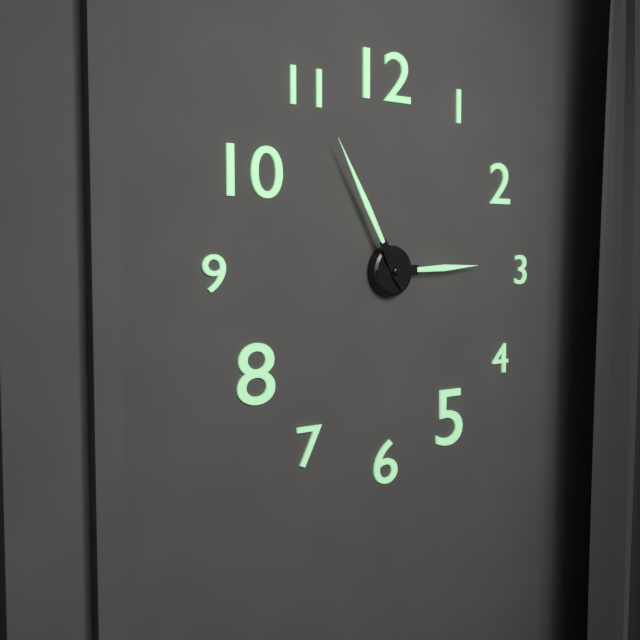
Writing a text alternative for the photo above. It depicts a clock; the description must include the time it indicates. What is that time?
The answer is 2:55
